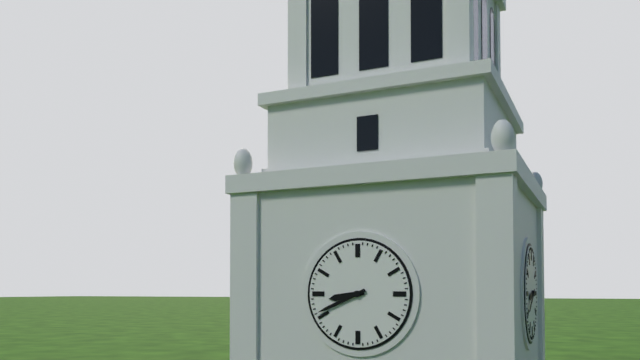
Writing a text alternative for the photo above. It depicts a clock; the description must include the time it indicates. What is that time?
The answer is 8:41
